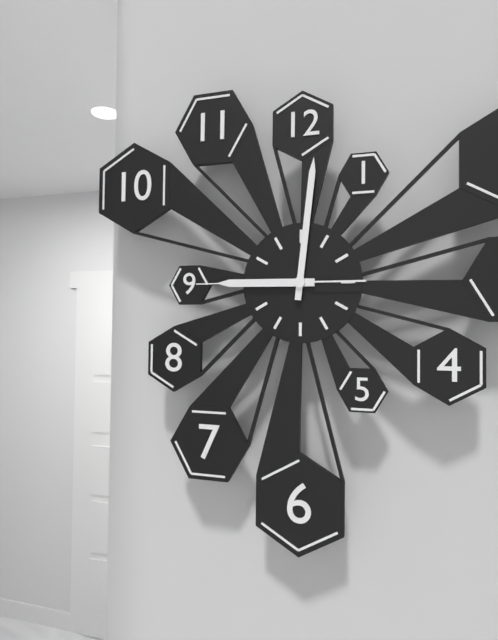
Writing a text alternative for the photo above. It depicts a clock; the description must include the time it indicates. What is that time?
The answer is 9:01:45
